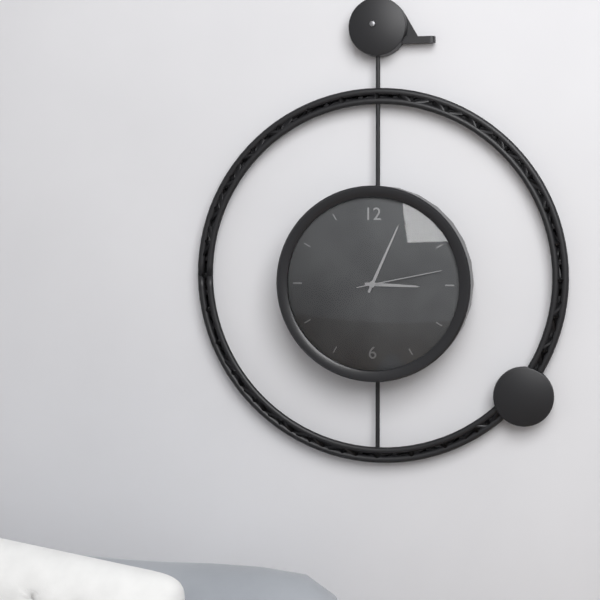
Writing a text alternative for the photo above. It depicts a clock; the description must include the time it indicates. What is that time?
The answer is 3:04:13
